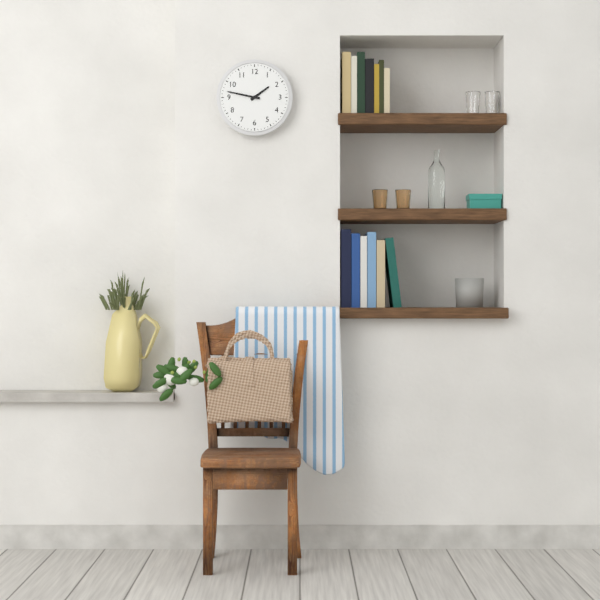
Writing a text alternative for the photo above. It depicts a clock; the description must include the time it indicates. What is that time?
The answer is 1:47
